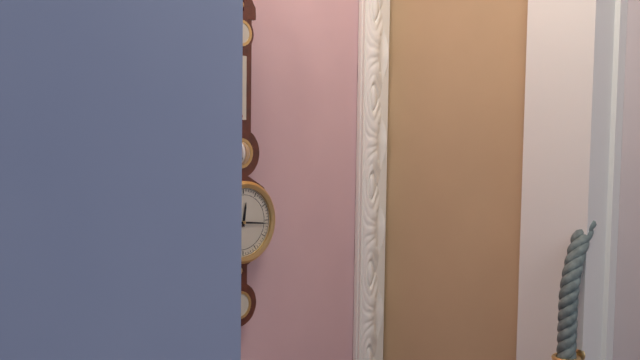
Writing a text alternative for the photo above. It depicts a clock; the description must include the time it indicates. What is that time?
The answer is 12:16
